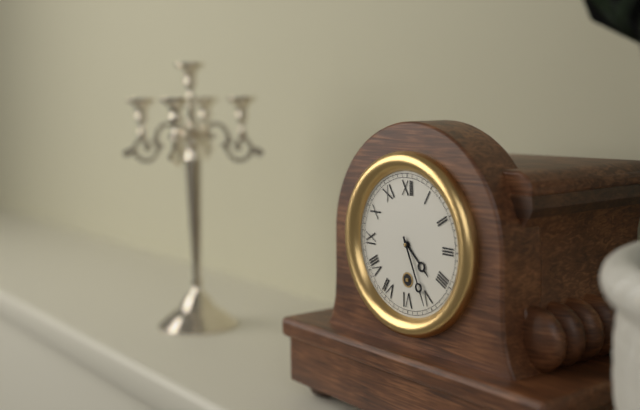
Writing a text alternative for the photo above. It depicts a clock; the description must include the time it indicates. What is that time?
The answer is 4:26
